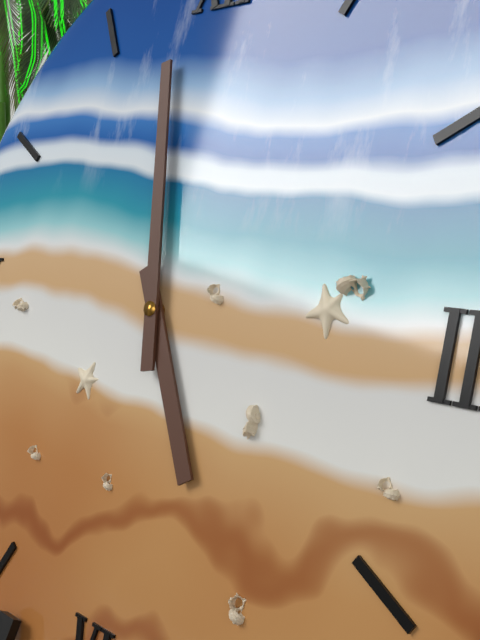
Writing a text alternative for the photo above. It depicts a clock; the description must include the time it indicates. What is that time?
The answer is 4:58
